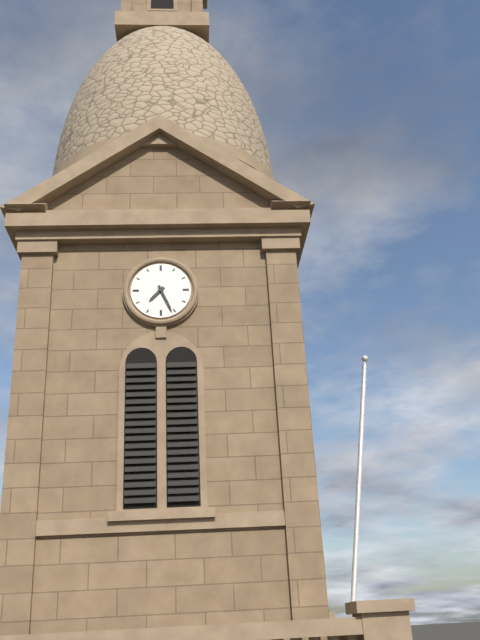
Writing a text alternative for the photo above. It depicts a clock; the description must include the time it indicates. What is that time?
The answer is 7:26
